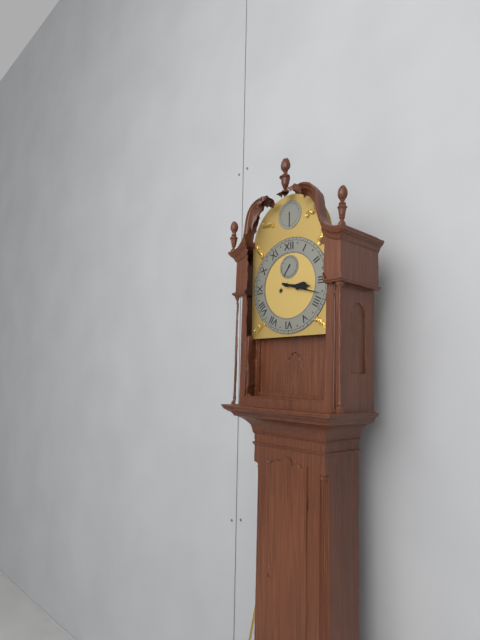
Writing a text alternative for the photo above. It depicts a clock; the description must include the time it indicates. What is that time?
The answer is 3:18
